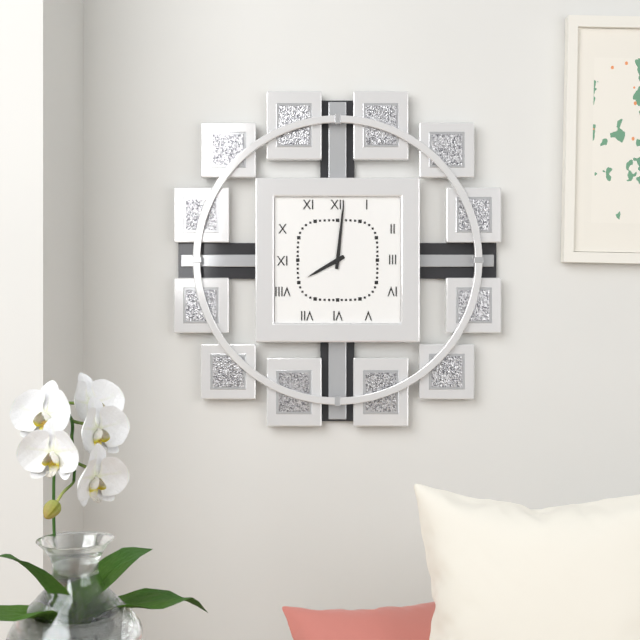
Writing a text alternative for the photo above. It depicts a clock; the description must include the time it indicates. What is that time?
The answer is 8:01
